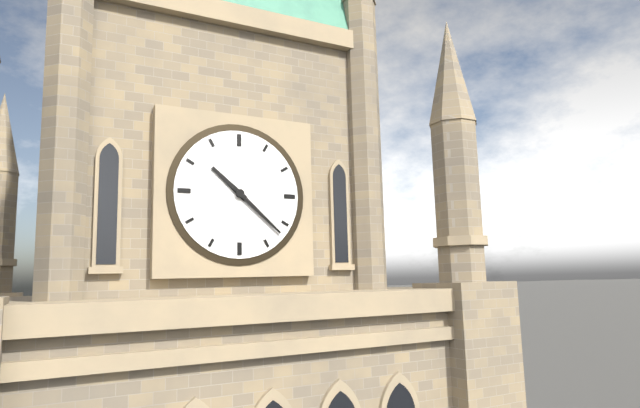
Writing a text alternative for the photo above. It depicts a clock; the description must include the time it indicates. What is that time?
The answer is 10:22
